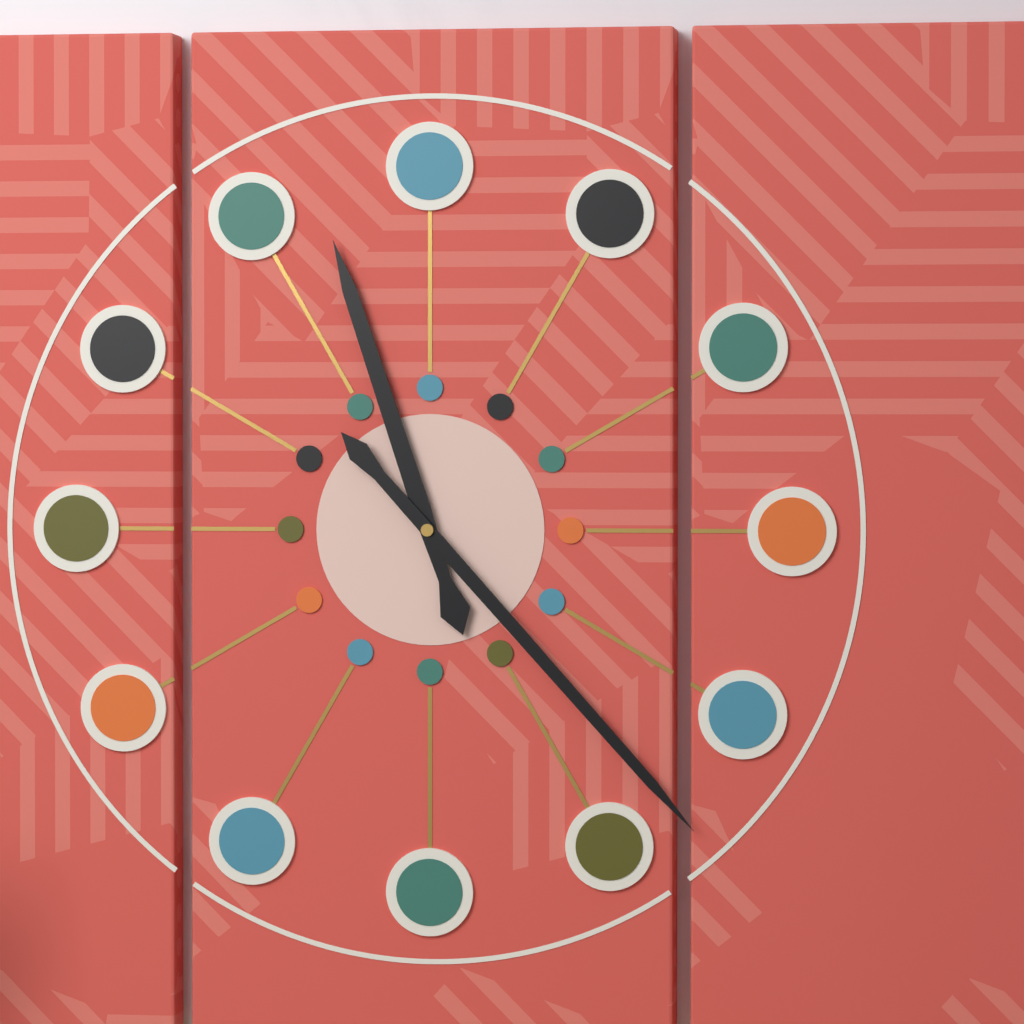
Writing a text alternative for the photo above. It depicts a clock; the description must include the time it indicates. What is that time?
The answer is 11:23
